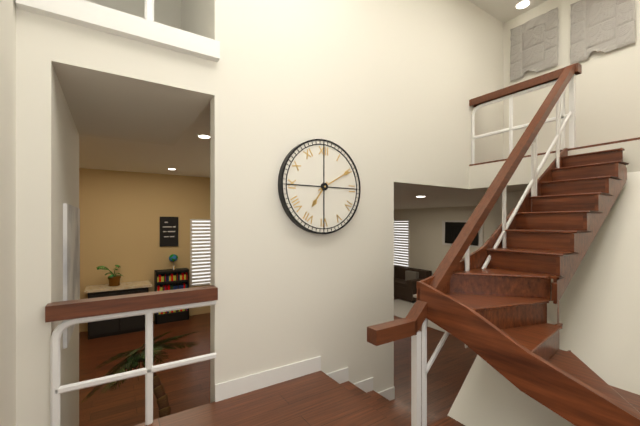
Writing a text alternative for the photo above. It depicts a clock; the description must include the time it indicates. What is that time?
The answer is 7:10
